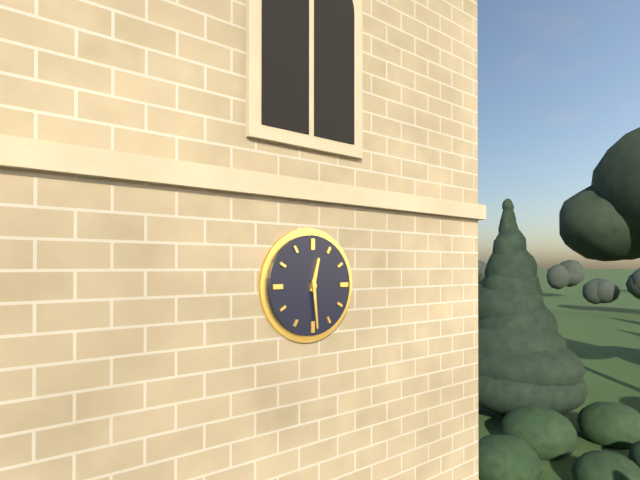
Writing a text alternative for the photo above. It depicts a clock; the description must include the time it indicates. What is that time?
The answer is 12:29
